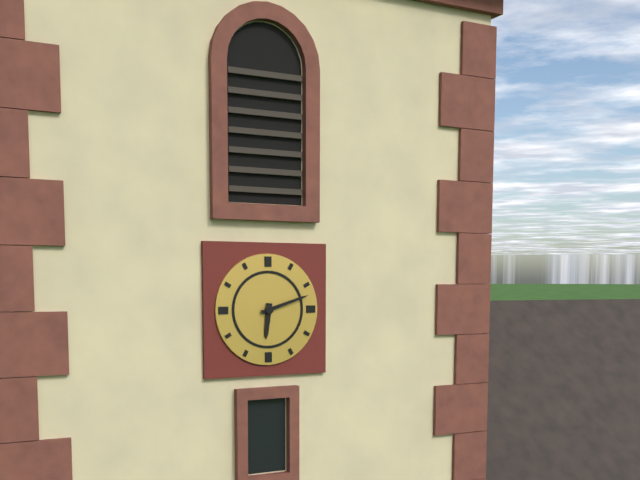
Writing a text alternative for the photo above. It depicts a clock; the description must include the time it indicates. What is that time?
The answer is 6:12
